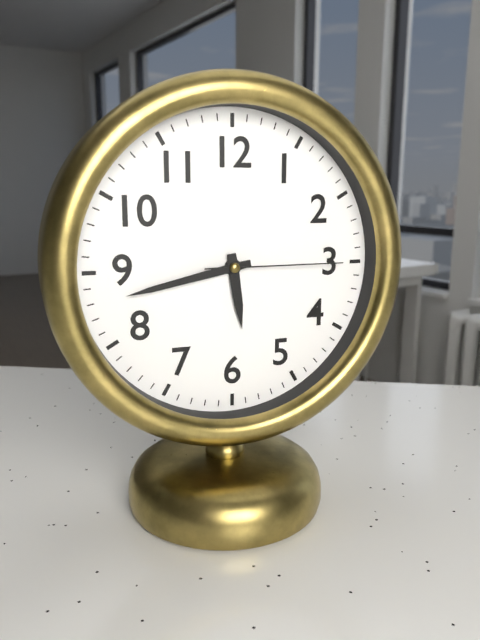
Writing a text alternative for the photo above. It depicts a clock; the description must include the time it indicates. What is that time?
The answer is 5:43:15
